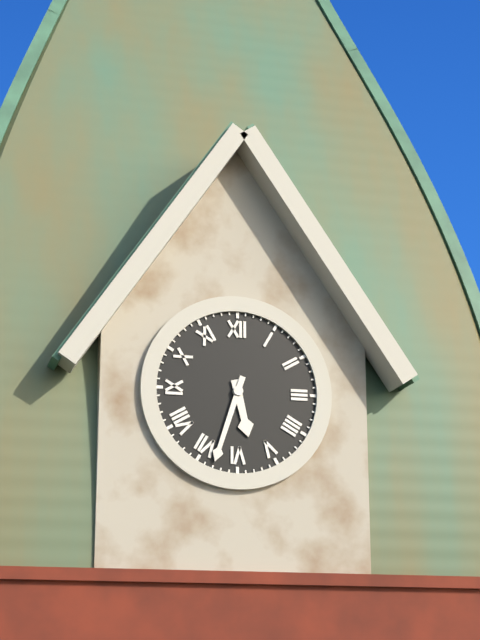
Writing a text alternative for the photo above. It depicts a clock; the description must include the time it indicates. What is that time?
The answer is 5:33
